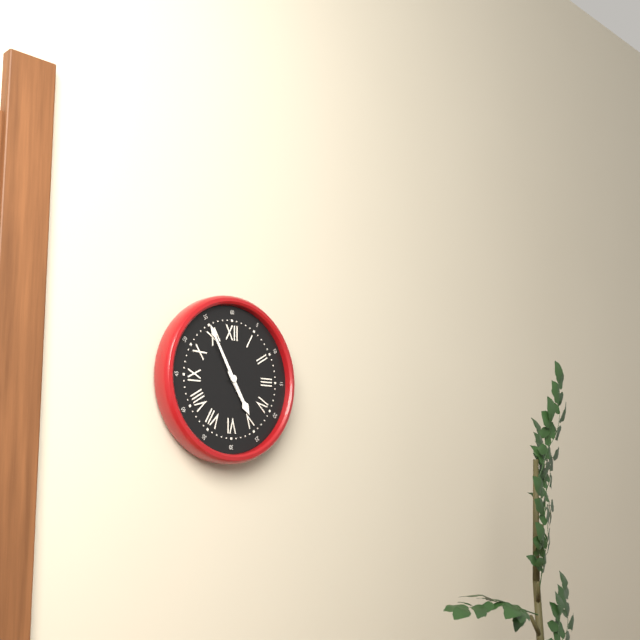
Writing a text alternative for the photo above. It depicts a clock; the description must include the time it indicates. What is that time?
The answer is 4:55
